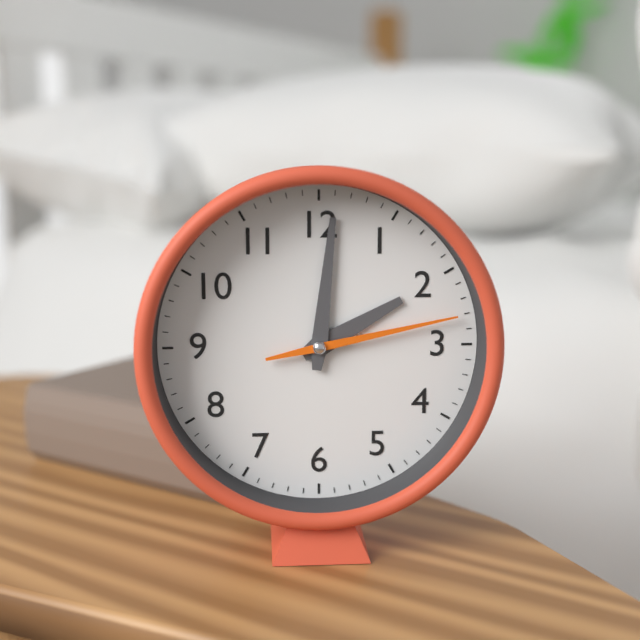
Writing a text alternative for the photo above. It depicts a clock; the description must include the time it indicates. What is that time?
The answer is 2:01:13
